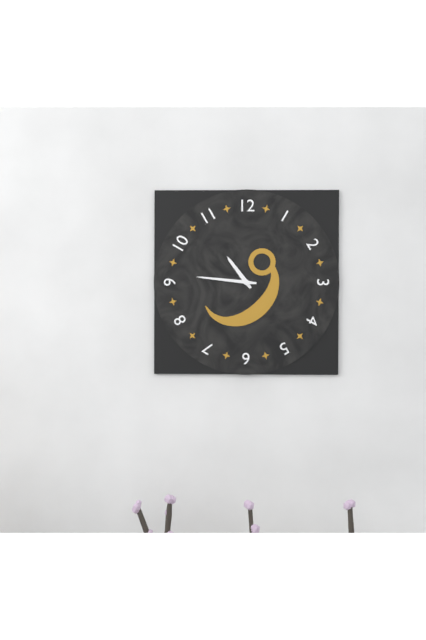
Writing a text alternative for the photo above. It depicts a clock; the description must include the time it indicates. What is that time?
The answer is 10:46
